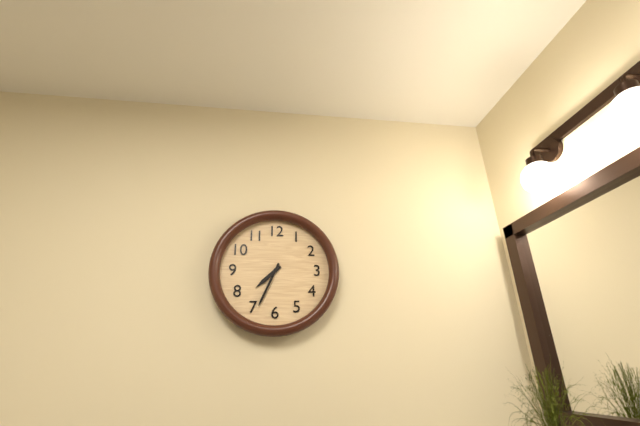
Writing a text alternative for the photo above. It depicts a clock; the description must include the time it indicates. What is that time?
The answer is 7:34
